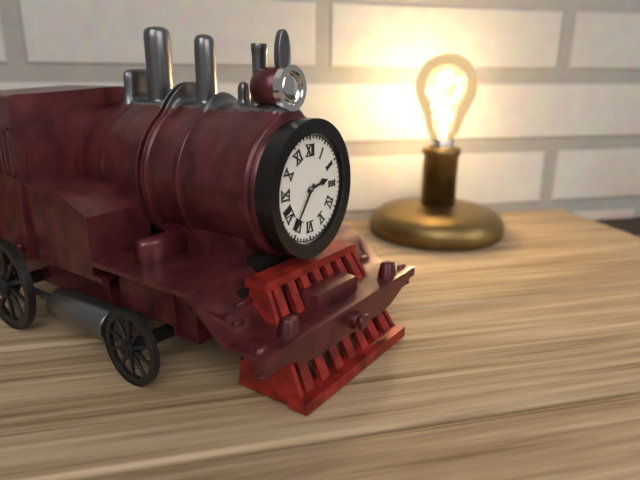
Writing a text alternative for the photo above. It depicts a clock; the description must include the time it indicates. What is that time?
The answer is 2:36
